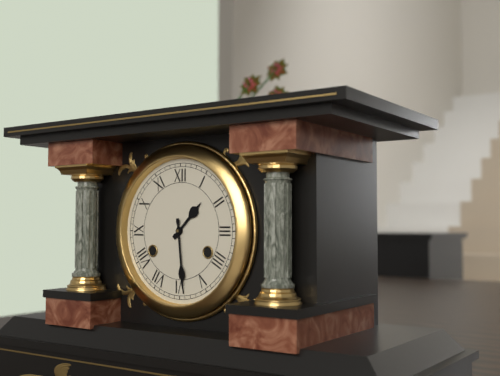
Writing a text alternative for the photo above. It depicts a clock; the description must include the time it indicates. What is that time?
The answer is 1:29
